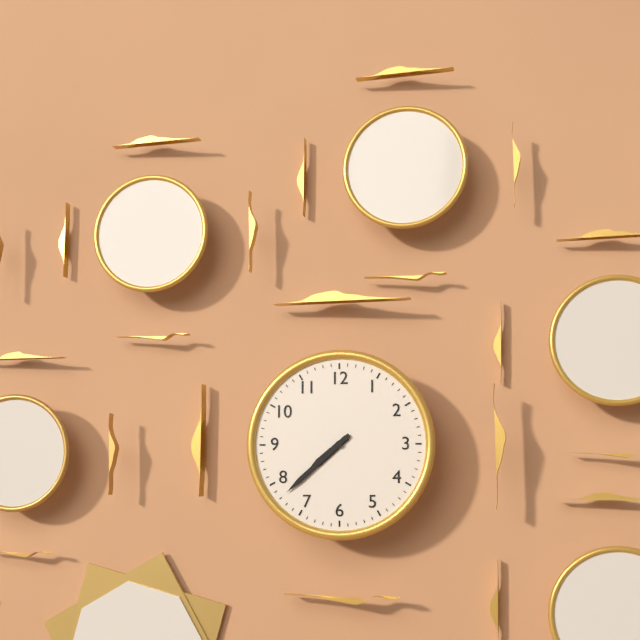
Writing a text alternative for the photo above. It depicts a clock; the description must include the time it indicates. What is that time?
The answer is 7:38
